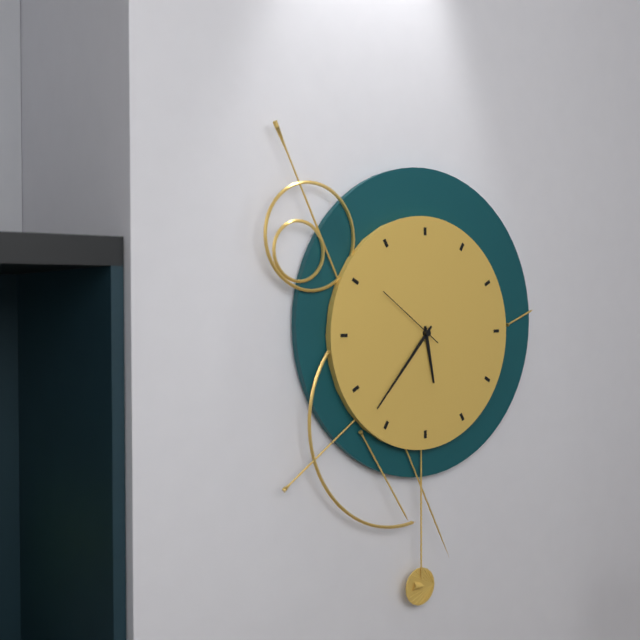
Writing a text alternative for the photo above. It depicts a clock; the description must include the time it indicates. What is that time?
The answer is 5:37:51
